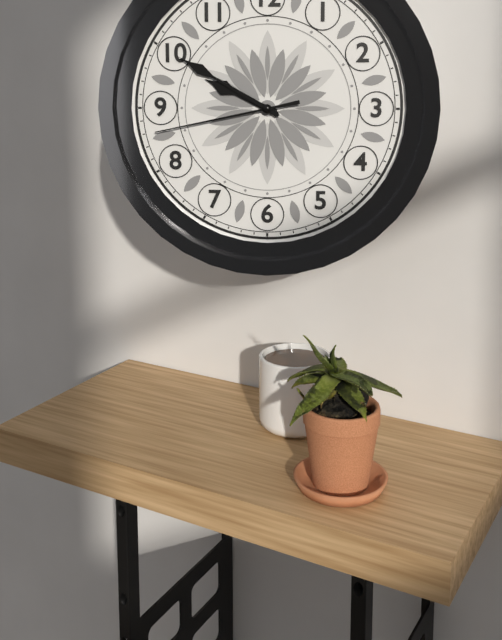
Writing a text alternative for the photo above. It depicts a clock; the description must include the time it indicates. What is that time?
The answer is 9:50:43
